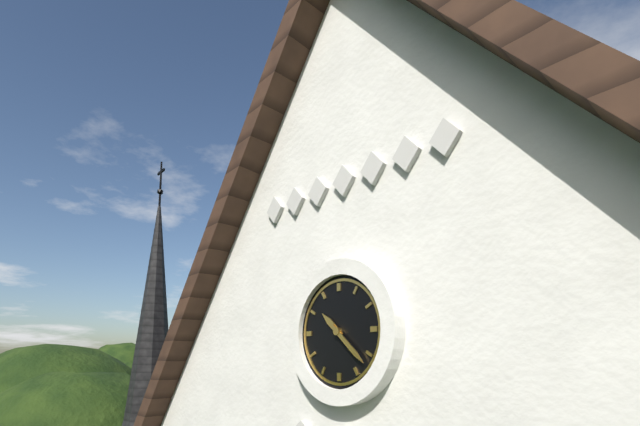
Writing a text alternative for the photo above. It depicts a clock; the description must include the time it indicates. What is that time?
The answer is 10:22
